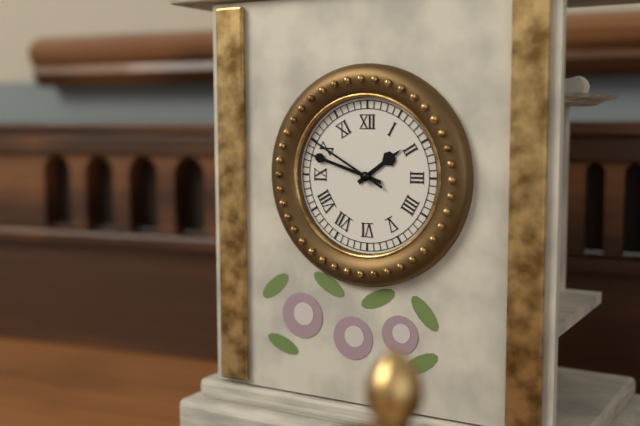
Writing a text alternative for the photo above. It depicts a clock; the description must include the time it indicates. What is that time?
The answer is 1:48:50
